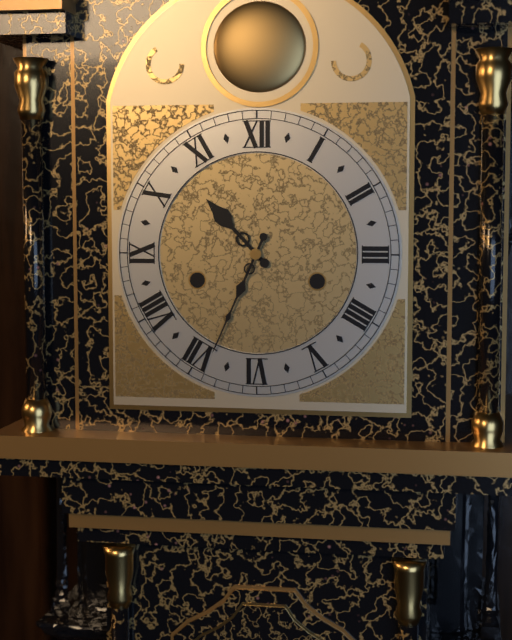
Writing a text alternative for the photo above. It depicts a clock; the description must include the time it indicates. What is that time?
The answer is 10:34
